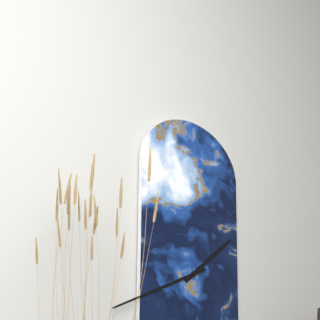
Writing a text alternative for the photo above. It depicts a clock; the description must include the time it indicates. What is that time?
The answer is 1:41
